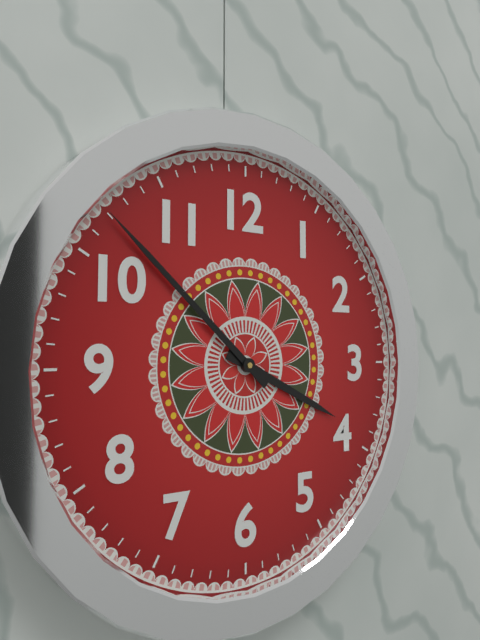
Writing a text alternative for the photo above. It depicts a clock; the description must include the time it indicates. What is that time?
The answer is 3:52
